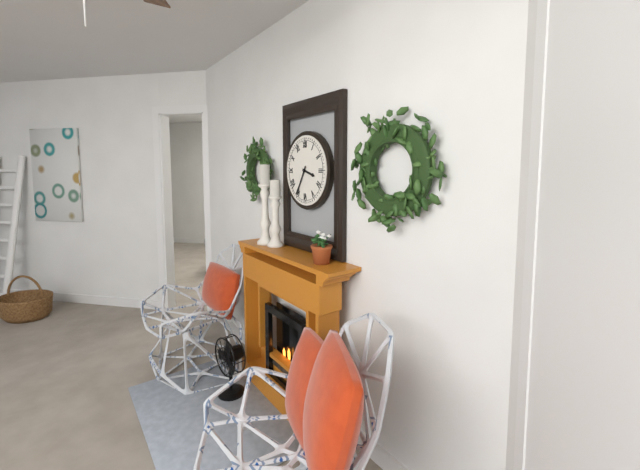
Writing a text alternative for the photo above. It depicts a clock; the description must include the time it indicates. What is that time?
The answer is 3:35
